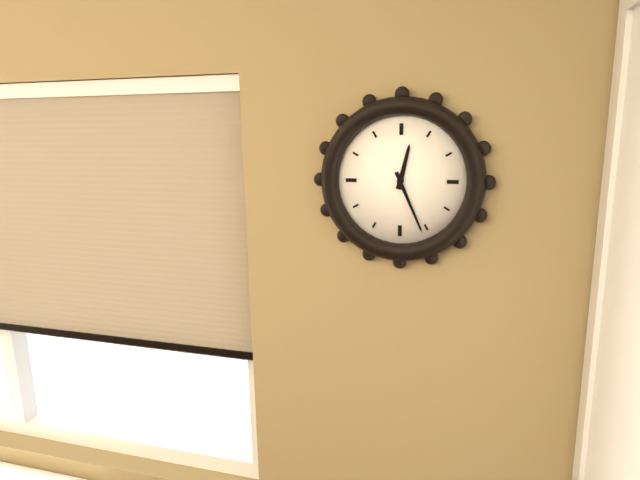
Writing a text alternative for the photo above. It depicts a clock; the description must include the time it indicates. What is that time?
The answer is 12:26
